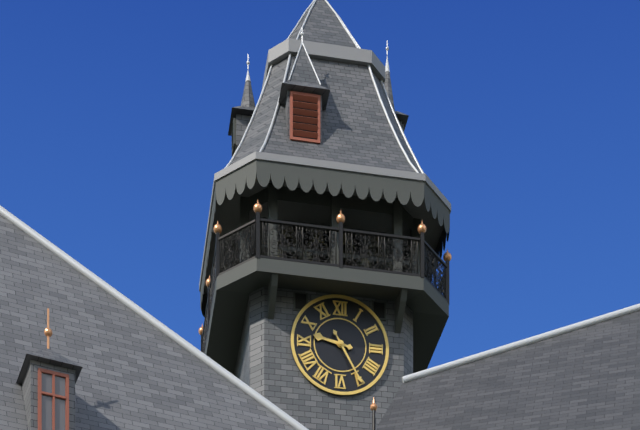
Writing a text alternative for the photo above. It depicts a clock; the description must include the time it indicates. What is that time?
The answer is 9:25
